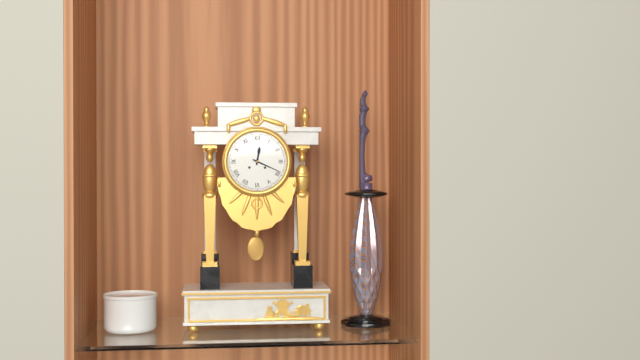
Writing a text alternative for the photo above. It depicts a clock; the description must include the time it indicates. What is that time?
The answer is 12:19
